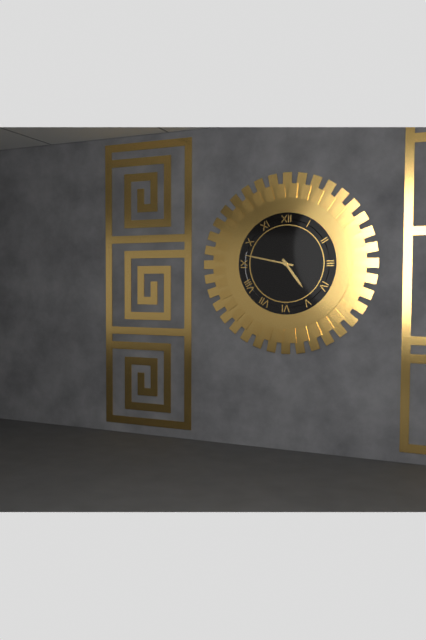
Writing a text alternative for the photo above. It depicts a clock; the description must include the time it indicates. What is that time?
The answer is 4:47
